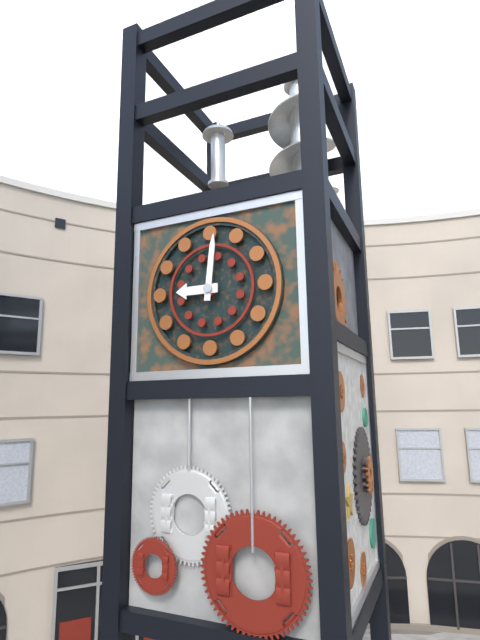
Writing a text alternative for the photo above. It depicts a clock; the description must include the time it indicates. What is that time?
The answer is 9:01
